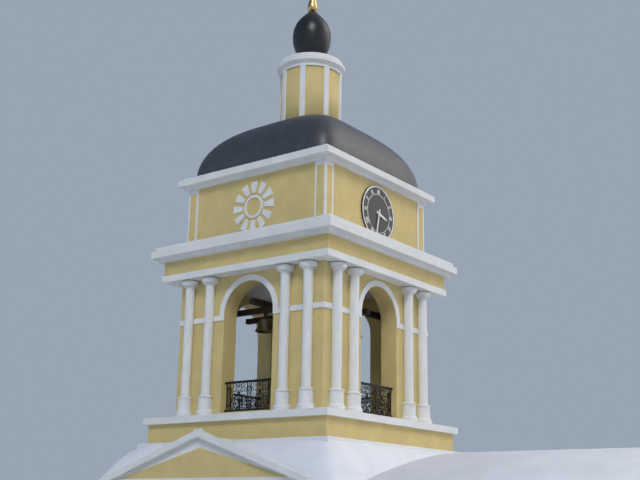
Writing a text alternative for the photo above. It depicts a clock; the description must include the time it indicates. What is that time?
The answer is 3:32
